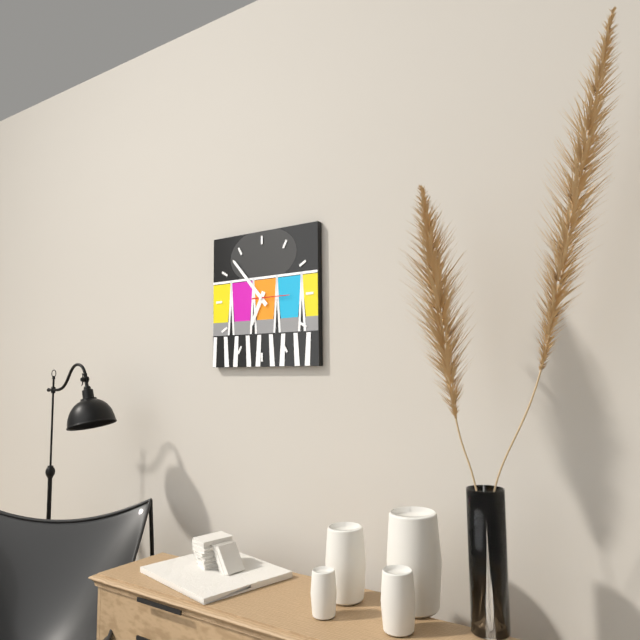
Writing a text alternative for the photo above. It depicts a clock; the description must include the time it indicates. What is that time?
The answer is 6:53
